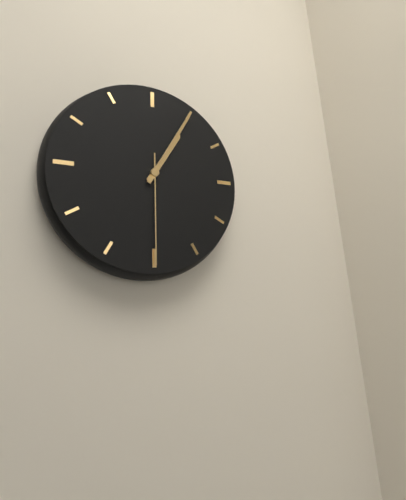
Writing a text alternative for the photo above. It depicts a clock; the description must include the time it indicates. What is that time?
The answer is 1:05:30
